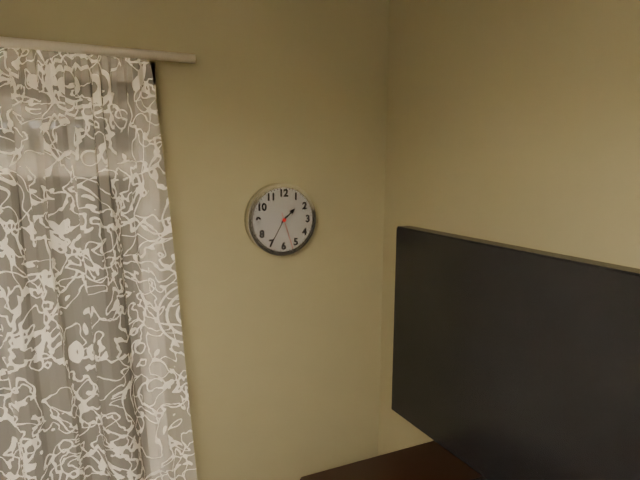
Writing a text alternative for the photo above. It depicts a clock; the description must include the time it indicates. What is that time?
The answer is 1:35
